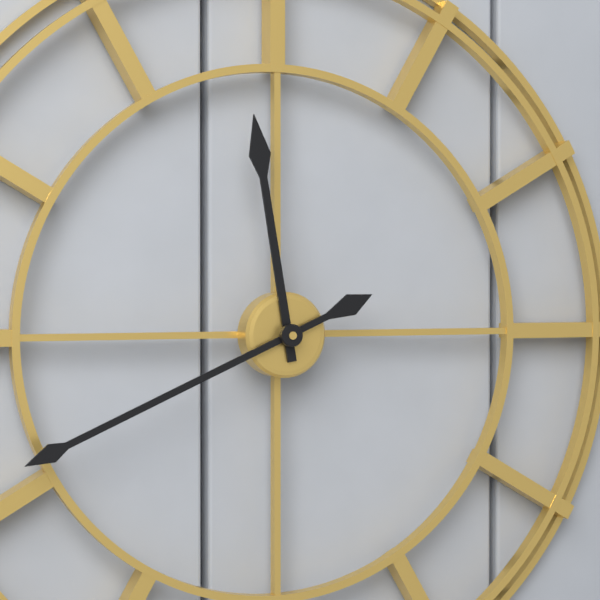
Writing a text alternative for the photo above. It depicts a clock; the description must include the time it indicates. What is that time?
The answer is 11:41
